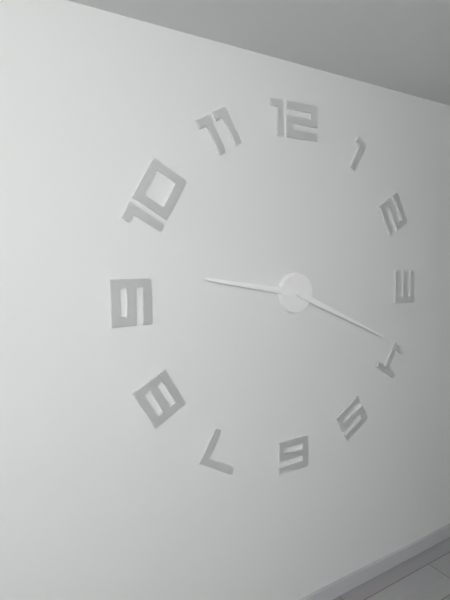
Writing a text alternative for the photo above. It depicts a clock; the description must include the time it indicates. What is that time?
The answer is 9:19
